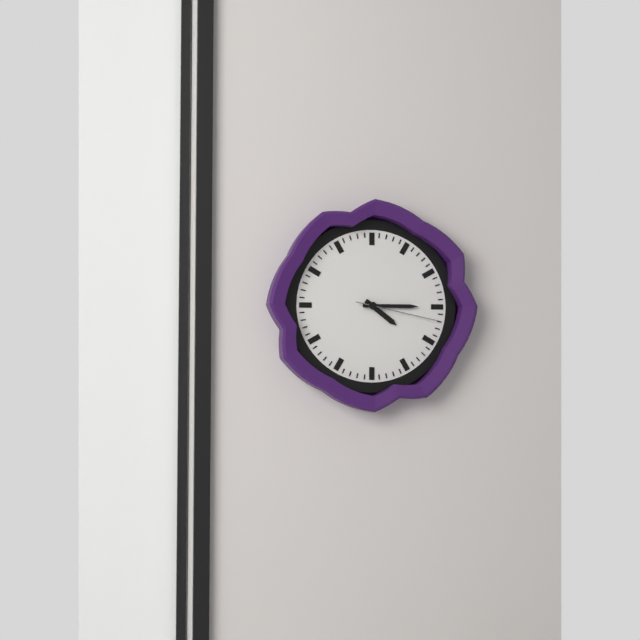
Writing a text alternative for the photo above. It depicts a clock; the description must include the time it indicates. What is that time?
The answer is 4:15:17
